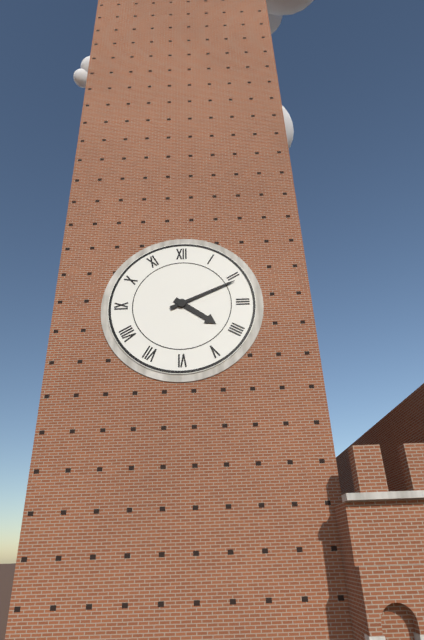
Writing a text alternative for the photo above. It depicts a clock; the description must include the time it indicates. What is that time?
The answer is 4:11
